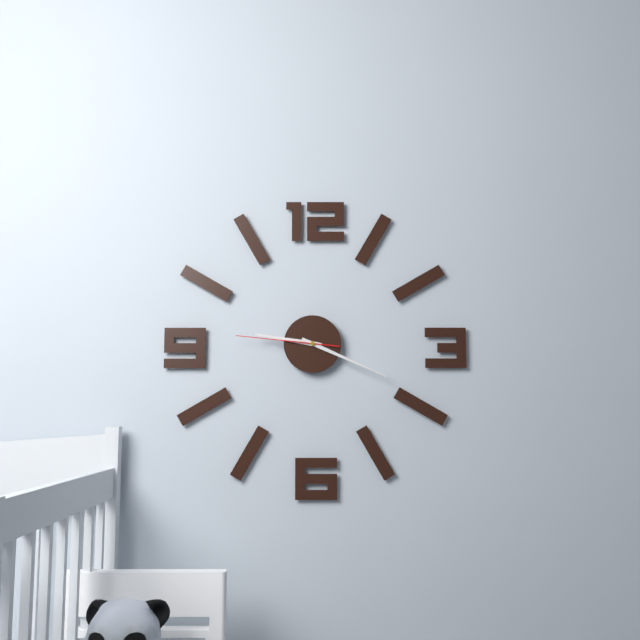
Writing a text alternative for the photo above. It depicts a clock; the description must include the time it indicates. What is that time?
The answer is 9:19:46
